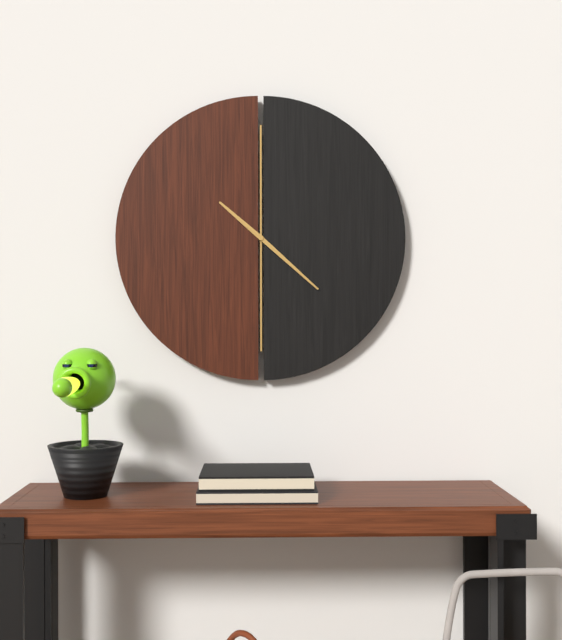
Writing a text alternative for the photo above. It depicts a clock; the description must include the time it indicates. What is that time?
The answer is 10:22
